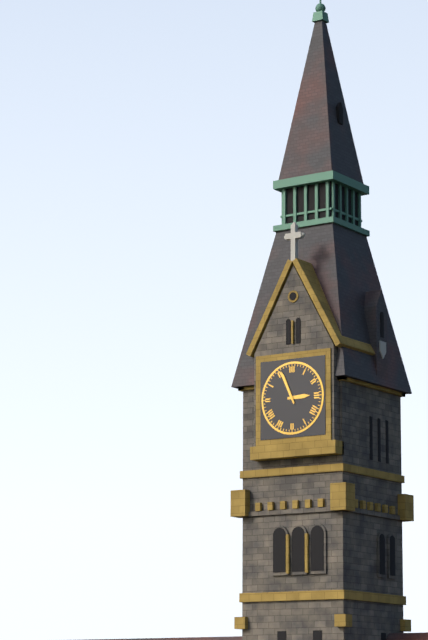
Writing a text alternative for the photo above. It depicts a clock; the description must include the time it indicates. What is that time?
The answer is 2:56
